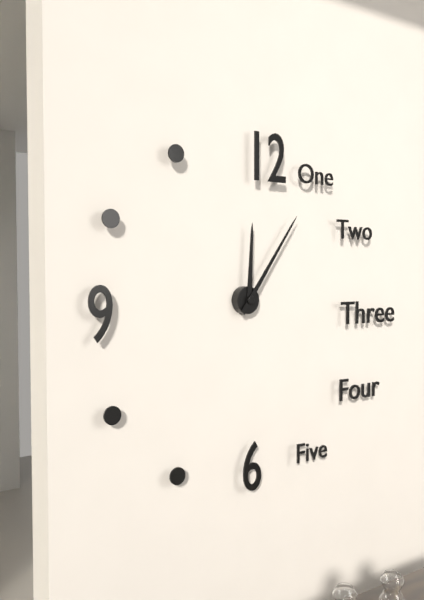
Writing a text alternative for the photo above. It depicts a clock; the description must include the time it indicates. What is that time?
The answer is 12:06
